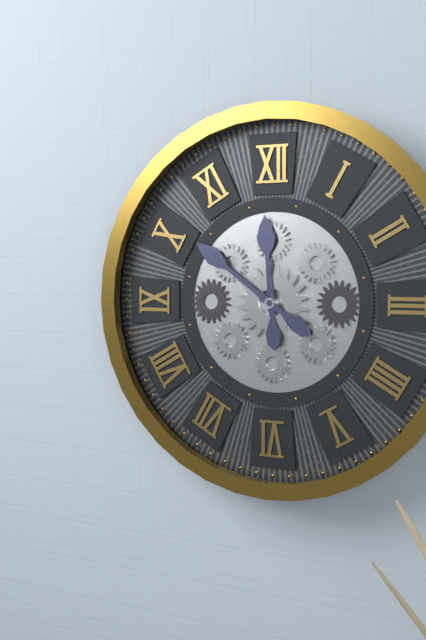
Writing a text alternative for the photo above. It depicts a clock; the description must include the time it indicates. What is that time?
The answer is 11:51
